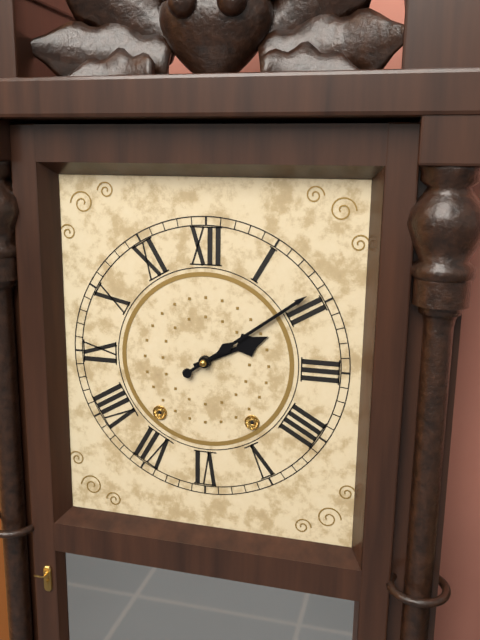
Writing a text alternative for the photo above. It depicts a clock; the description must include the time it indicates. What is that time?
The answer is 2:09
